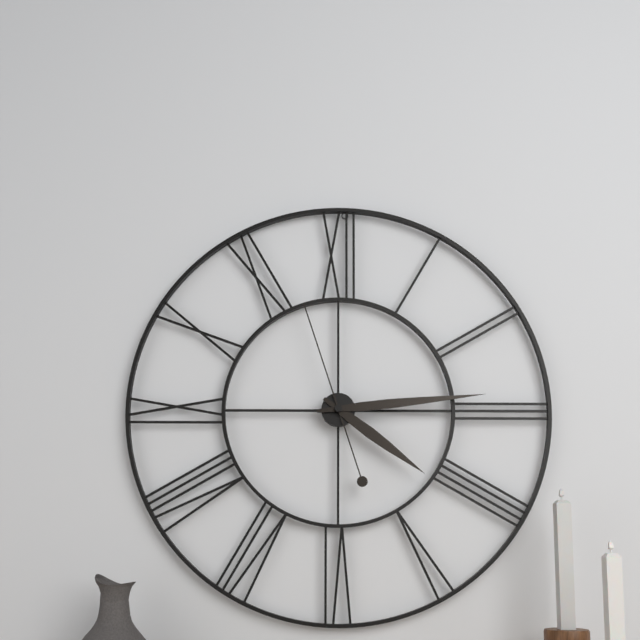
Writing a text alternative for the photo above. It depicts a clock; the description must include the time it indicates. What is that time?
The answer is 4:14:57
